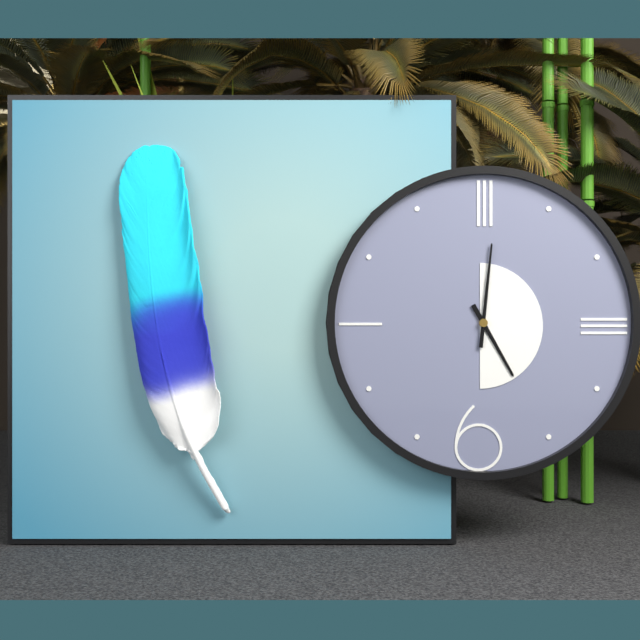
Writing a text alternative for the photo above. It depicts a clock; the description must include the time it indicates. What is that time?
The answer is 5:01
